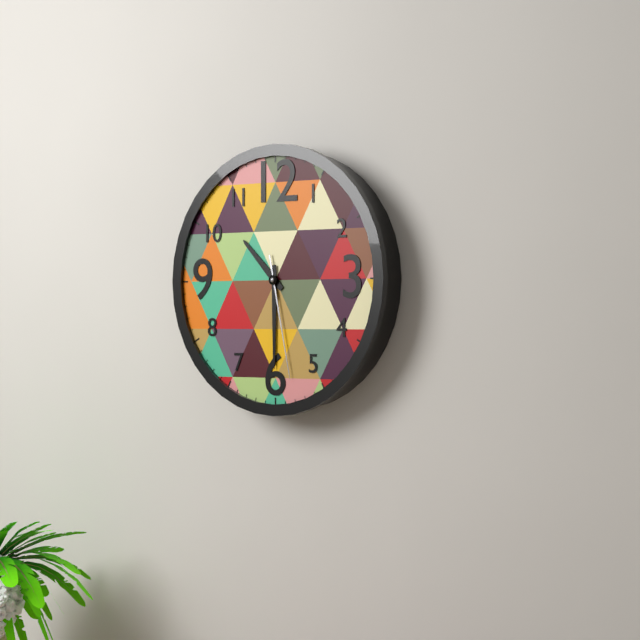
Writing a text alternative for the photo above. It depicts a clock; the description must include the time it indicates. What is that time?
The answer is 10:30:28
